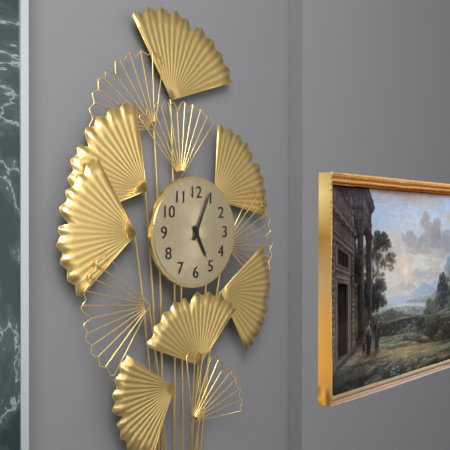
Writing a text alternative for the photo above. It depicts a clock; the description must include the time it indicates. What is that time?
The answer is 5:04
